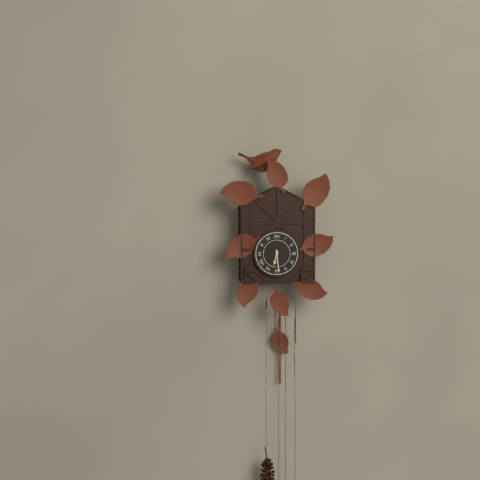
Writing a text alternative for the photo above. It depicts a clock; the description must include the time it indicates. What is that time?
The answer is 6:29
